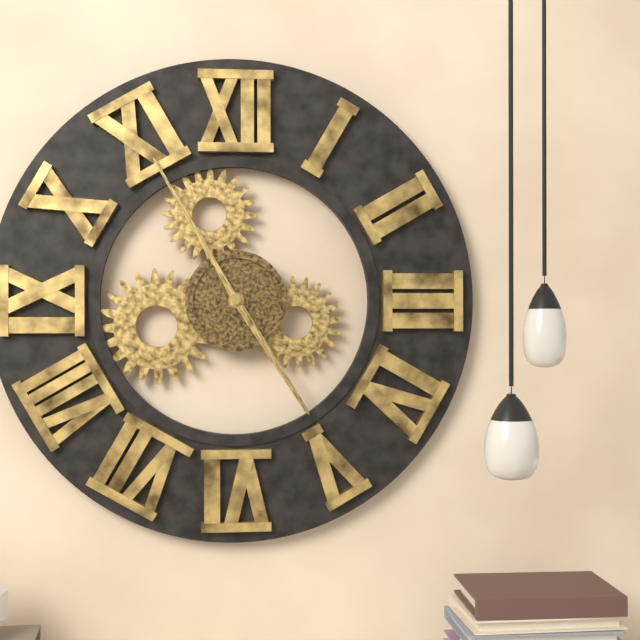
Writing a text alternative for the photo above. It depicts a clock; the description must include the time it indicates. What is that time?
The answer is 4:55
